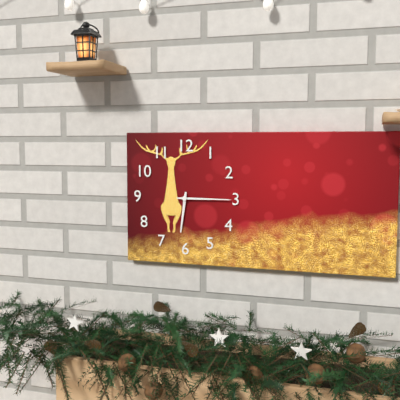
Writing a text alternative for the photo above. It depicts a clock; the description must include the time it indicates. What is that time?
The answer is 6:15
